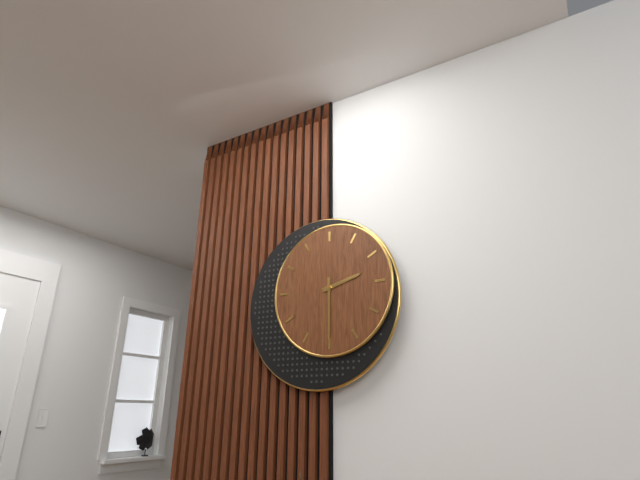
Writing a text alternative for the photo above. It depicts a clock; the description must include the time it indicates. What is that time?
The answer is 2:30
